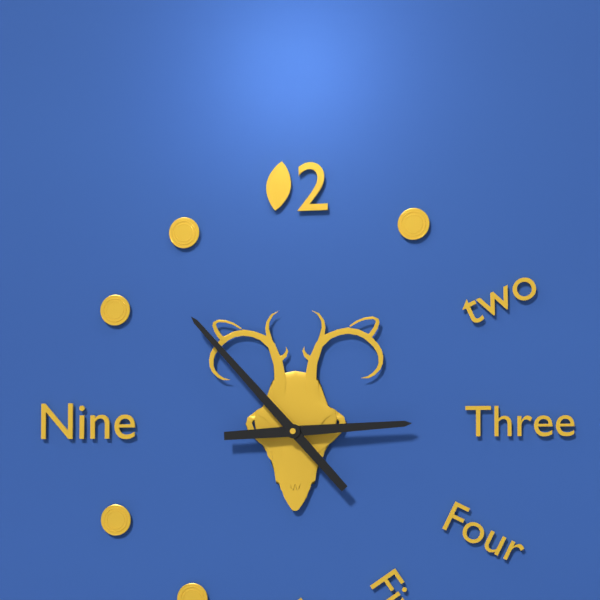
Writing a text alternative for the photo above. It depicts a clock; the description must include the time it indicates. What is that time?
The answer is 2:53
